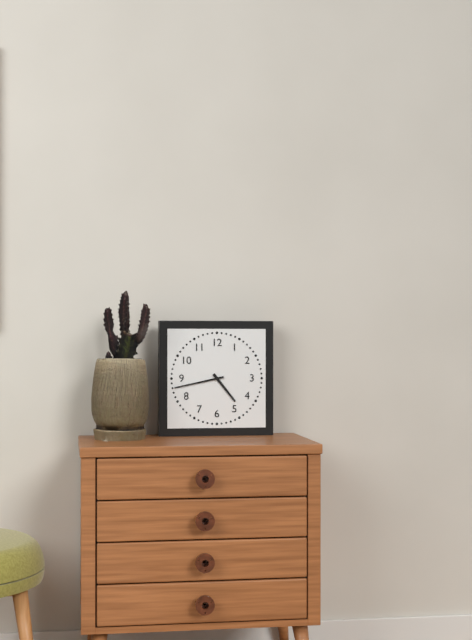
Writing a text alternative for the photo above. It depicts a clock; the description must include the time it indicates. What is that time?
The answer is 4:43
